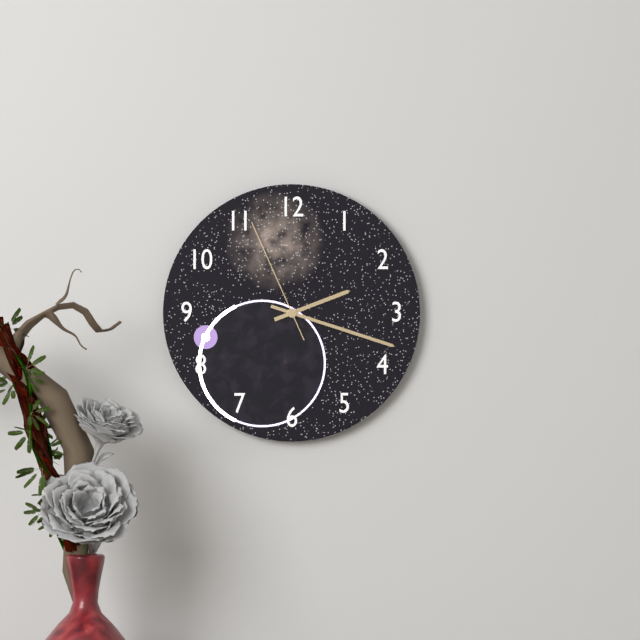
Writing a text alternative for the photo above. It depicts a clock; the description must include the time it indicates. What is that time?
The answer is 2:18:56
